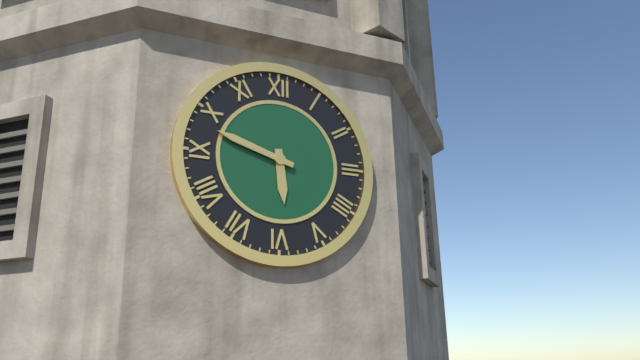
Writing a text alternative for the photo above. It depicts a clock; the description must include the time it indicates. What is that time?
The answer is 5:48
